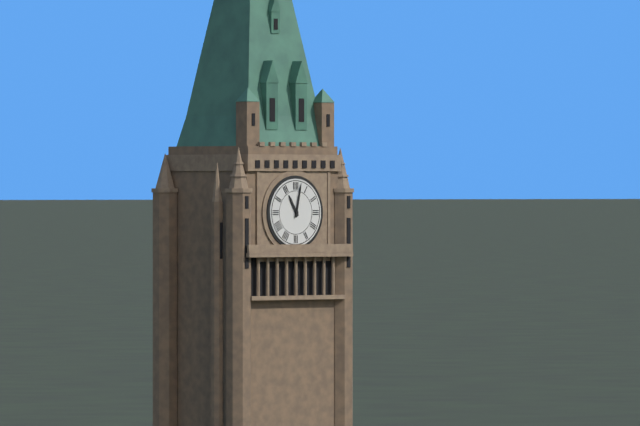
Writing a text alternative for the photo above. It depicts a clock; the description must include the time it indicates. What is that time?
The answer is 11:02
